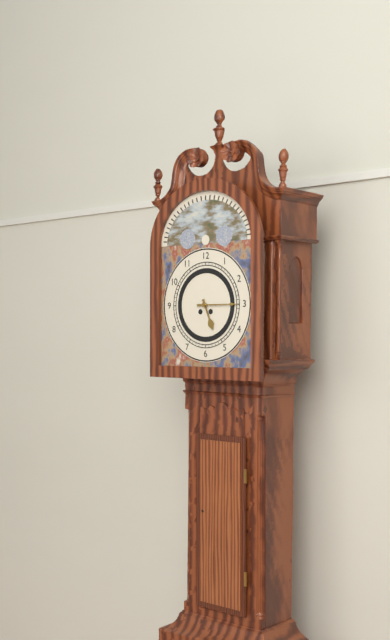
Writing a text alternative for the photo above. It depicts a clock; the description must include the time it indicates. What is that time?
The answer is 5:15
